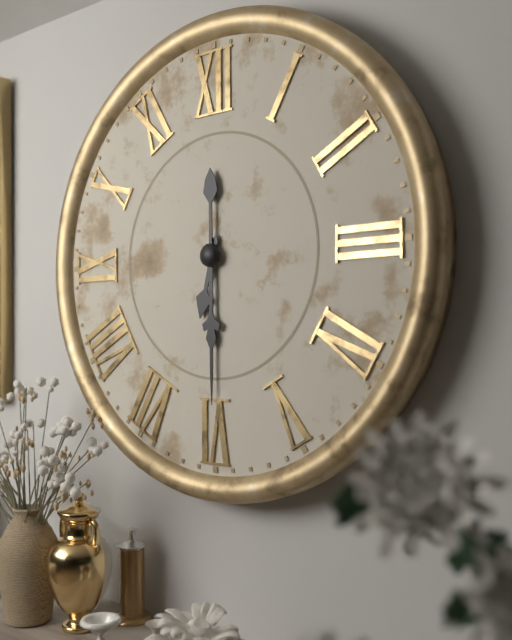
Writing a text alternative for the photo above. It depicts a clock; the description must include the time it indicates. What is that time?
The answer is 6:30
